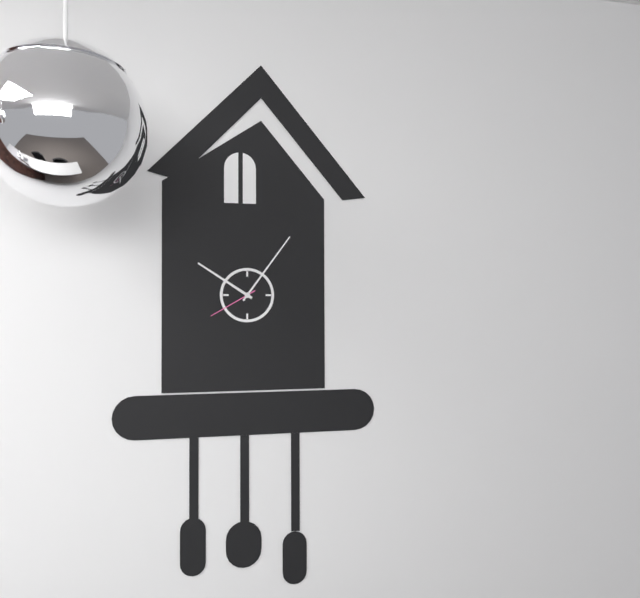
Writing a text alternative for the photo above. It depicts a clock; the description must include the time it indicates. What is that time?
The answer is 10:06:40
